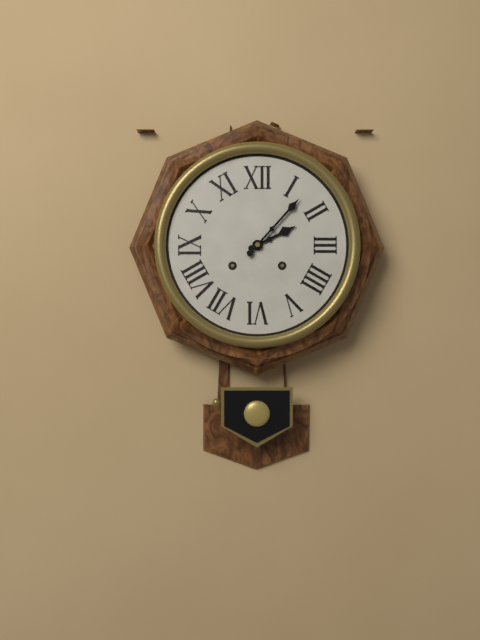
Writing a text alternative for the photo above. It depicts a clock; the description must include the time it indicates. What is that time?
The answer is 2:07
